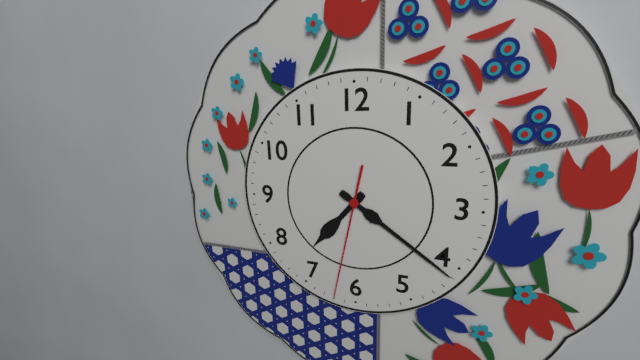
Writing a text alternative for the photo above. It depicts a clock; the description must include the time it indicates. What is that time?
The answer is 7:21:32
